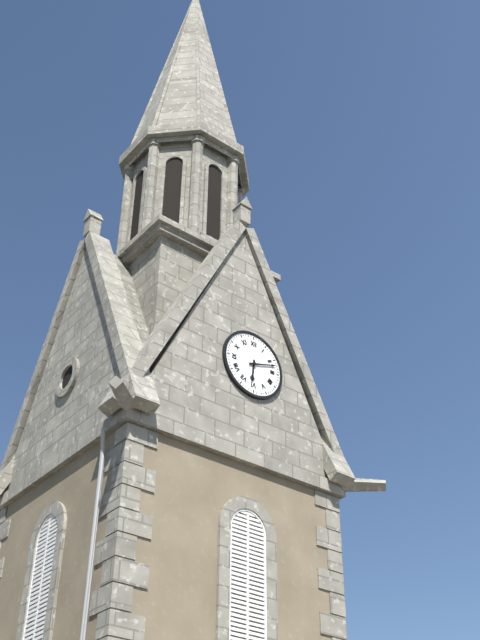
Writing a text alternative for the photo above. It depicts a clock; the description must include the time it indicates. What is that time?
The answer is 6:12
